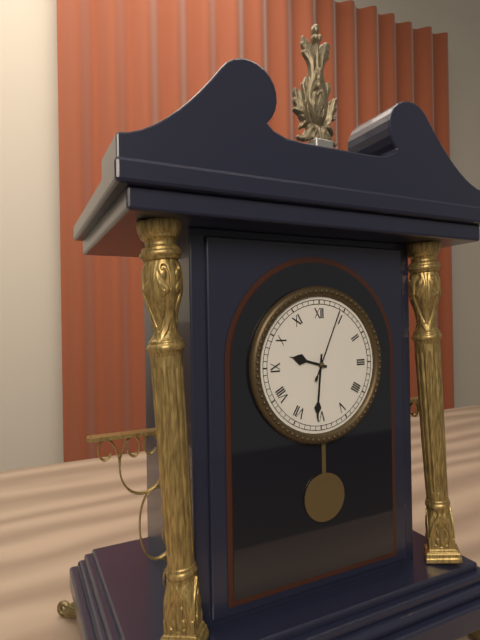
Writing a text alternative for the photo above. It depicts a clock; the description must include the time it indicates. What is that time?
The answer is 9:31:04
